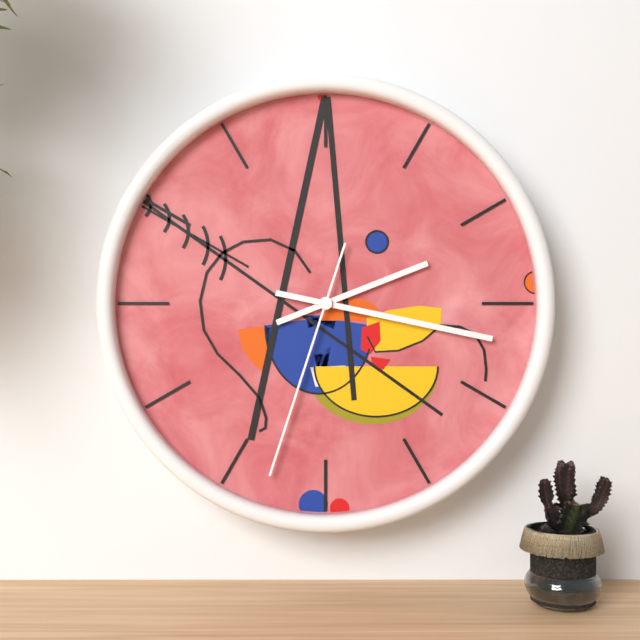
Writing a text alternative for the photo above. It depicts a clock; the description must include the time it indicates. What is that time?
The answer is 2:17:33
